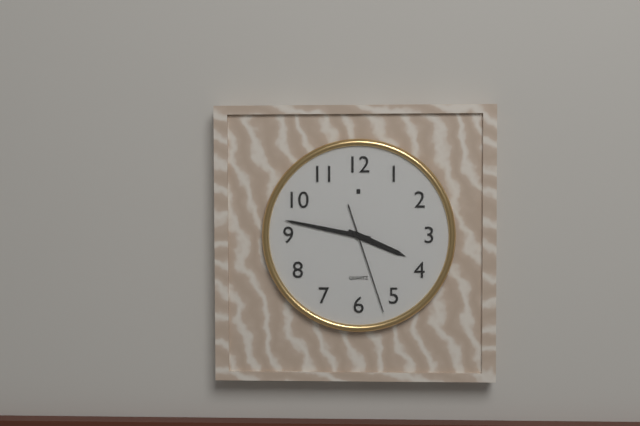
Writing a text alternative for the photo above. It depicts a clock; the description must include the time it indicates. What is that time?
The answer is 3:47:27
